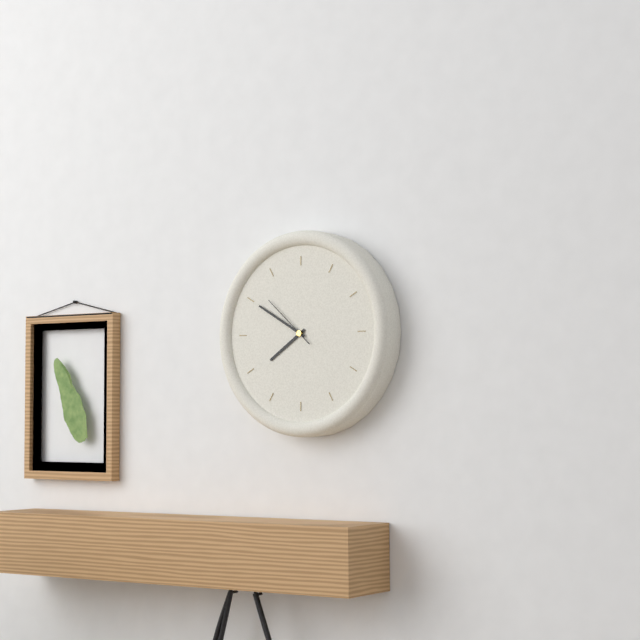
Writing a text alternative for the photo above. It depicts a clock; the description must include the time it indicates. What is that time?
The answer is 7:50:52
